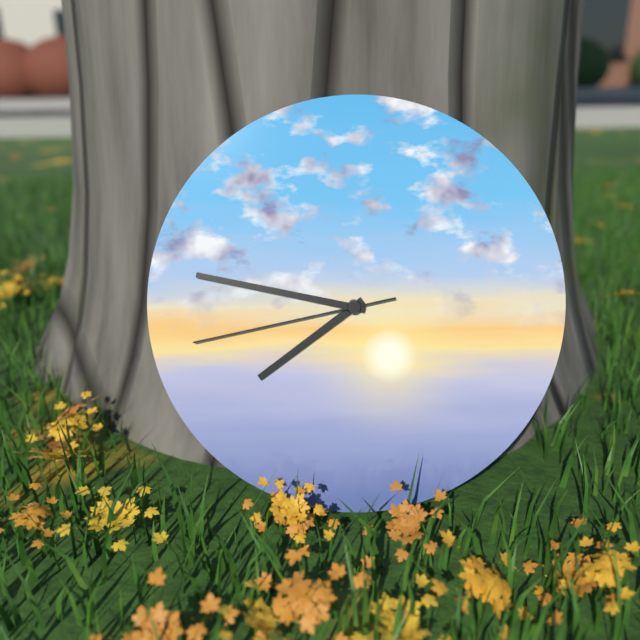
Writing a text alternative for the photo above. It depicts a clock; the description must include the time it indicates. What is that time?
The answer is 7:47:43
